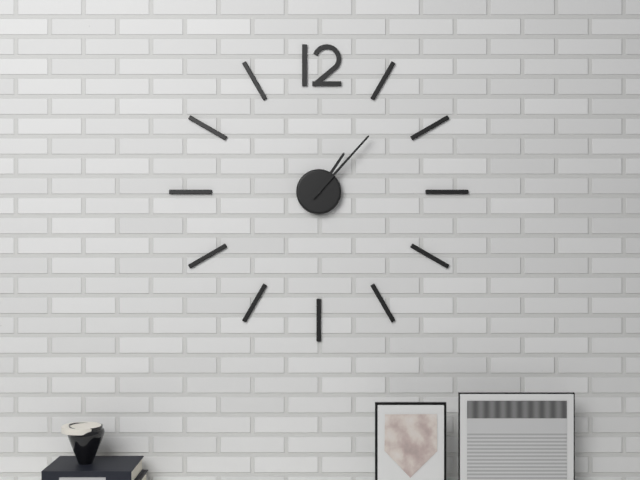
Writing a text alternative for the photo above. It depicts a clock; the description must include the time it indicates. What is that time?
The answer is 1:07
